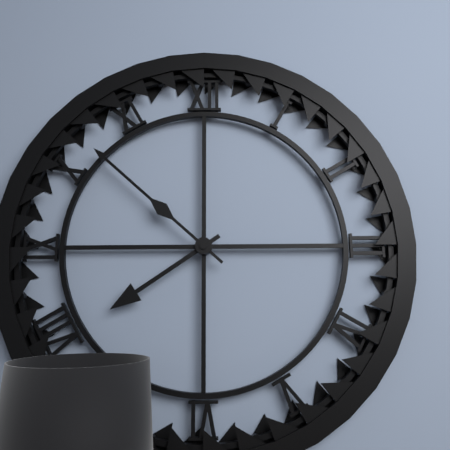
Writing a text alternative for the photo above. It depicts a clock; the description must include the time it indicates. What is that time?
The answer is 7:52
